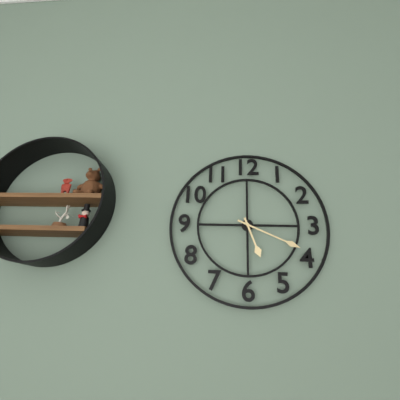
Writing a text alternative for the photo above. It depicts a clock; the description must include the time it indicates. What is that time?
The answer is 5:19
